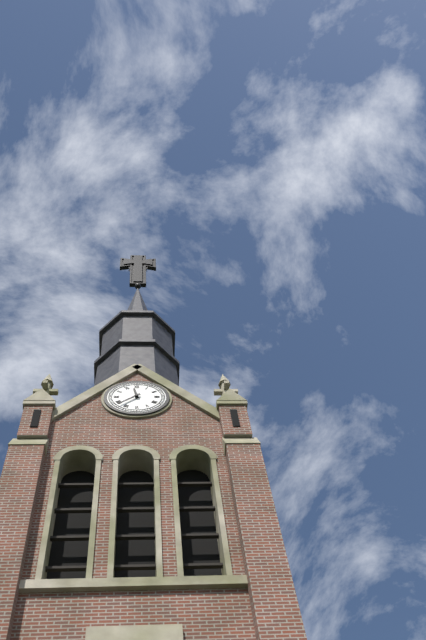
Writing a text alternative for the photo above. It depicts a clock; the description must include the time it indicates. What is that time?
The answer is 11:38
